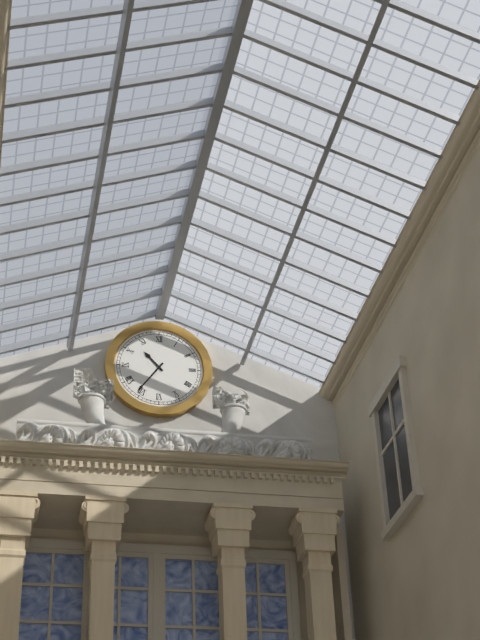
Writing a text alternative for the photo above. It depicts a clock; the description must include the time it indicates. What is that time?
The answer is 10:36
